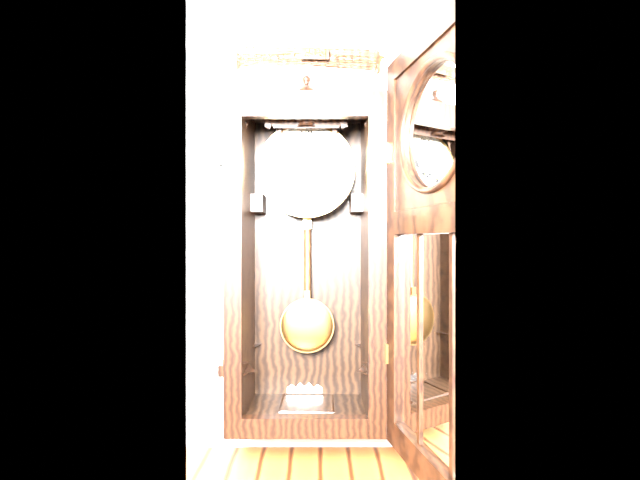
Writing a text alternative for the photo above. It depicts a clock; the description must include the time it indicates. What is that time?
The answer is 1:45
